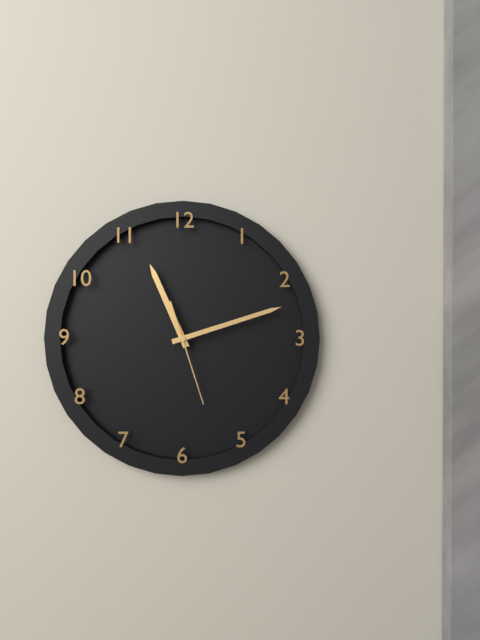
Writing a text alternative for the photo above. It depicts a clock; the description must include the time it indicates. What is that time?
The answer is 11:12:27
